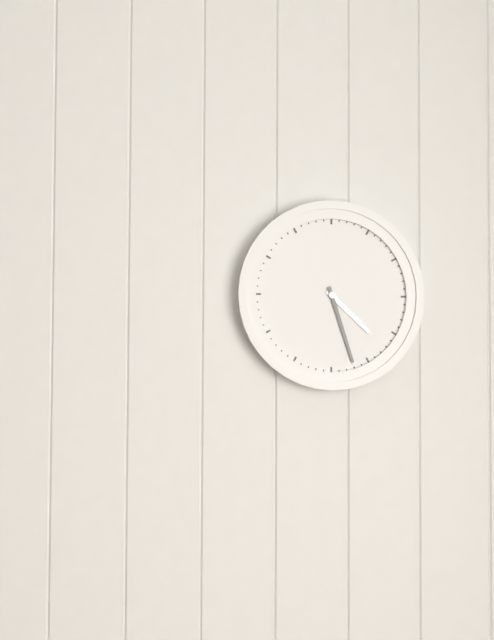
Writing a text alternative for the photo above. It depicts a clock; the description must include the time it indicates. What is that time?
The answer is 4:27
